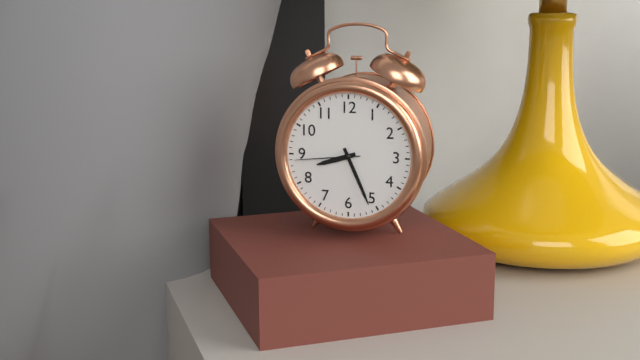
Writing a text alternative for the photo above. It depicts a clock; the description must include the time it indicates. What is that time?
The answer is 8:26:44
